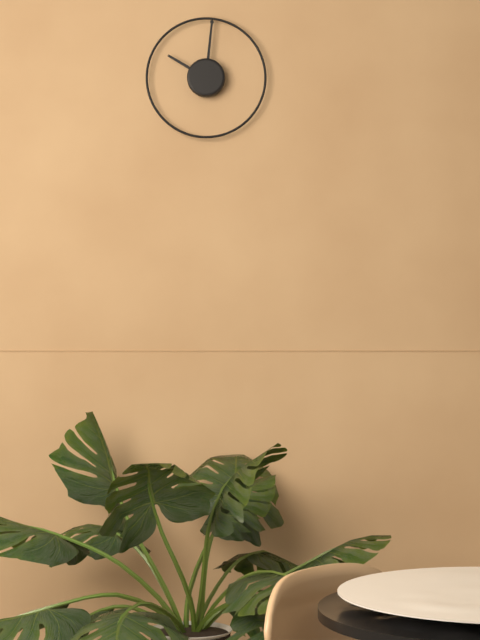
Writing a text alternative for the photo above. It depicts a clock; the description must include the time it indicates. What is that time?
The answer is 10:01
